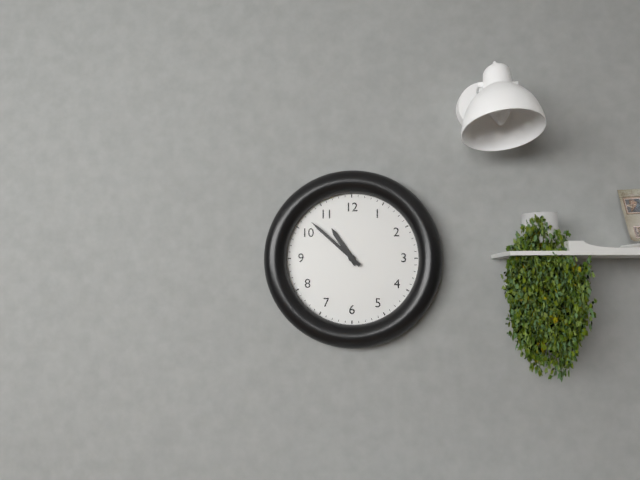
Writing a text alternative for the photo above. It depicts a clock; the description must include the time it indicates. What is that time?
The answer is 10:52
